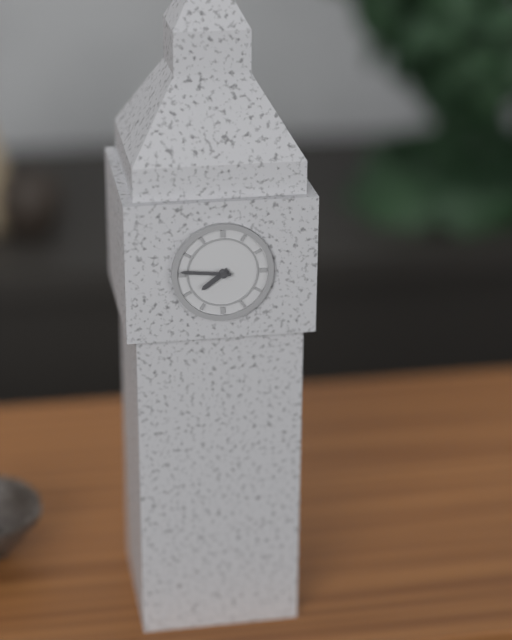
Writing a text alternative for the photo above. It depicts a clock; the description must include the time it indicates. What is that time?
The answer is 7:46
